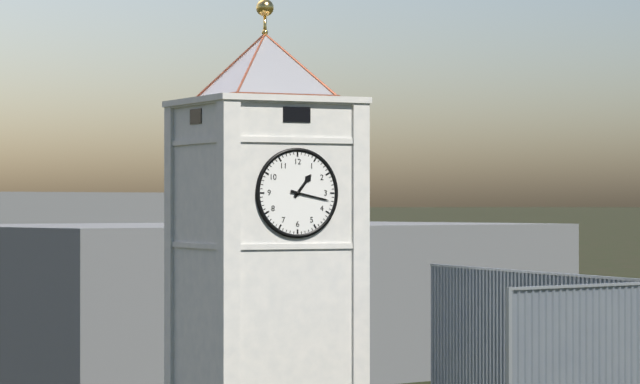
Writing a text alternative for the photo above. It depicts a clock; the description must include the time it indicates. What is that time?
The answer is 1:17
